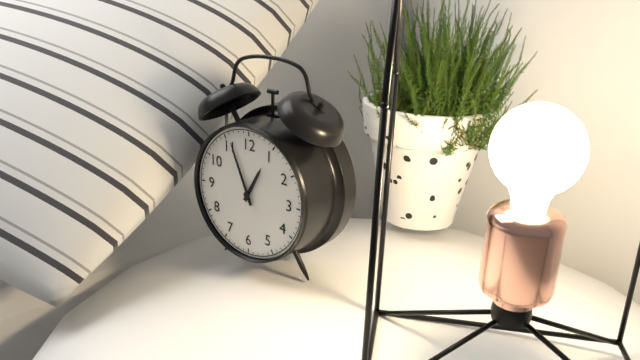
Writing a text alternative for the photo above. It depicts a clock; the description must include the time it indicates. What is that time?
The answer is 12:56
